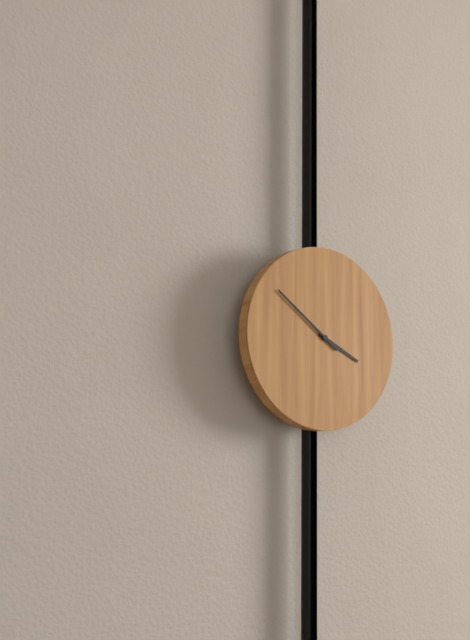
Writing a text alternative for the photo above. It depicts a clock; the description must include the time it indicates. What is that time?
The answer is 3:51
